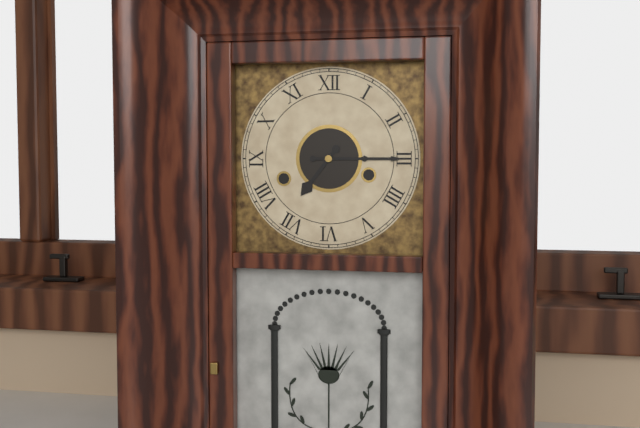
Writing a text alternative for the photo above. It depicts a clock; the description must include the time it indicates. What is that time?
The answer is 7:15
